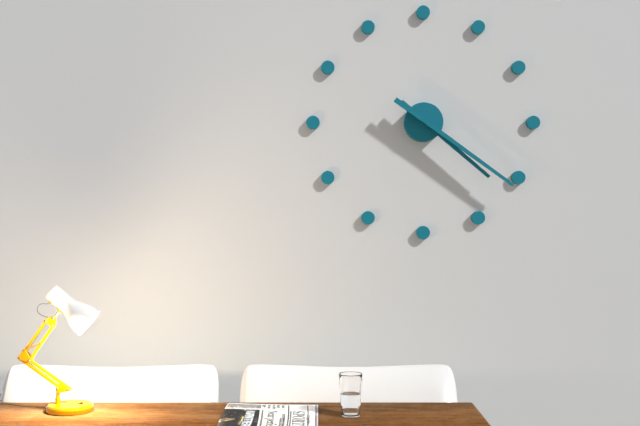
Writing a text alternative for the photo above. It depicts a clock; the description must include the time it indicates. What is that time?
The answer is 4:21
